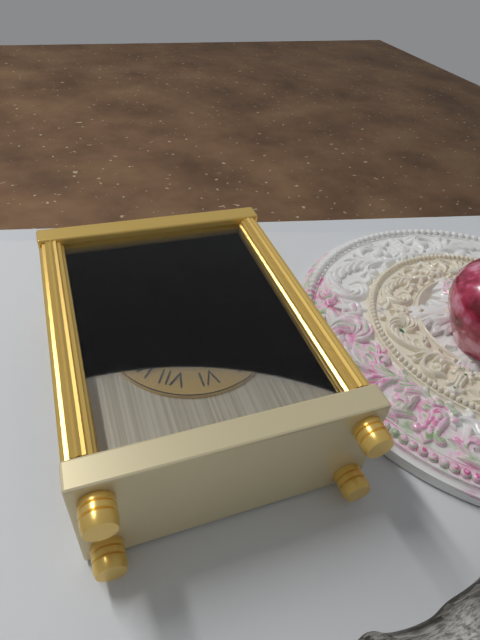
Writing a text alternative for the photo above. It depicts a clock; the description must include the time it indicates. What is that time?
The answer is 1:50
